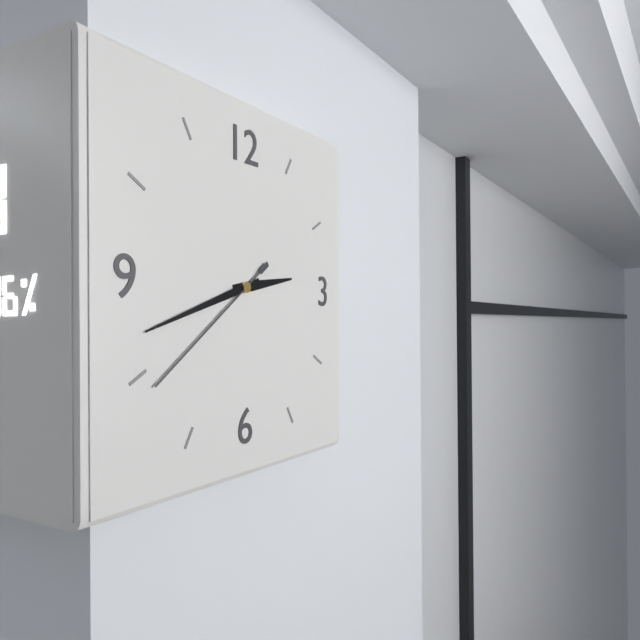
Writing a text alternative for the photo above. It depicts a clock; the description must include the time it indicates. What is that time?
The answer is 2:42:39
